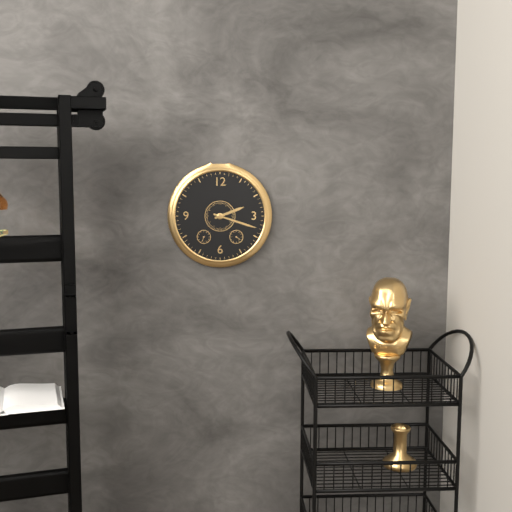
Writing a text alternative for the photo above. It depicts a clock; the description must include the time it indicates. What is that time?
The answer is 2:18
